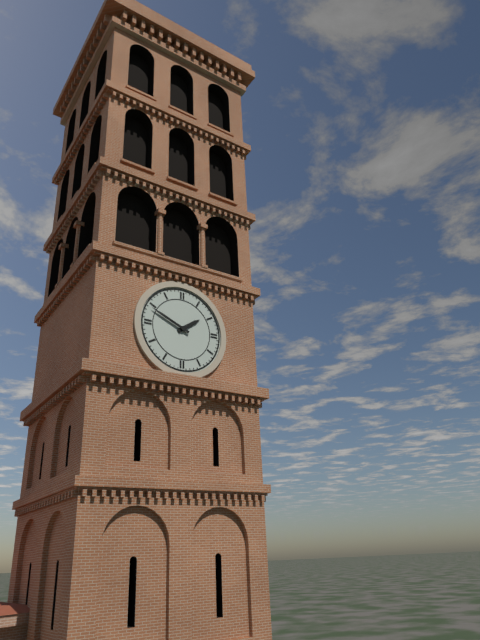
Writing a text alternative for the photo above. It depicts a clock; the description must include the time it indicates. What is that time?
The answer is 1:49
